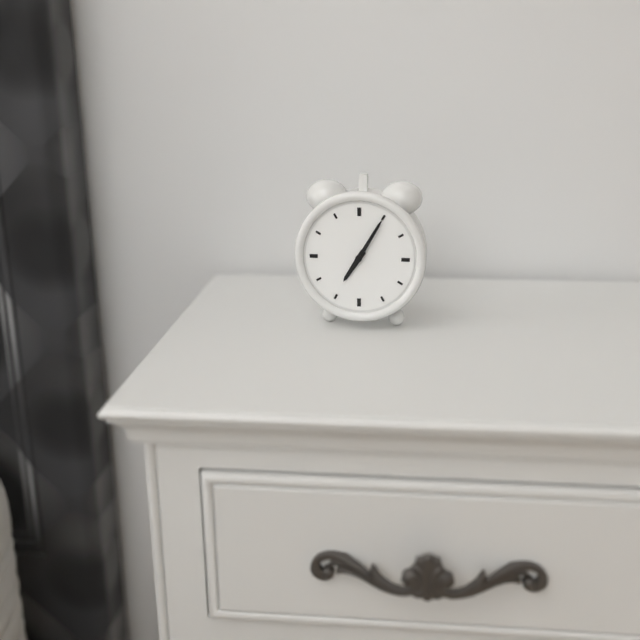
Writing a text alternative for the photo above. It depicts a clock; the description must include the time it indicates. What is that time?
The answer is 7:05
